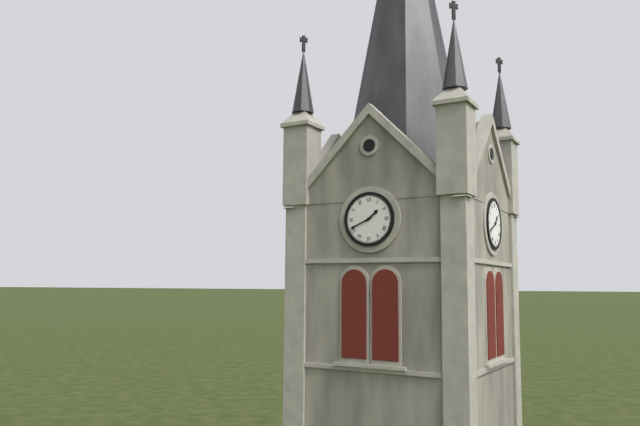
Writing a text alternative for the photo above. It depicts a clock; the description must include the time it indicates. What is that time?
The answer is 1:41
